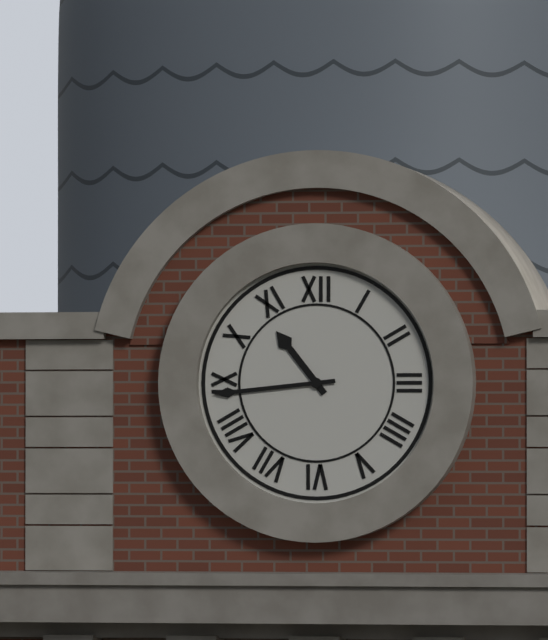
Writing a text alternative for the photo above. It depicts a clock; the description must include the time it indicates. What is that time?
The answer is 10:44
